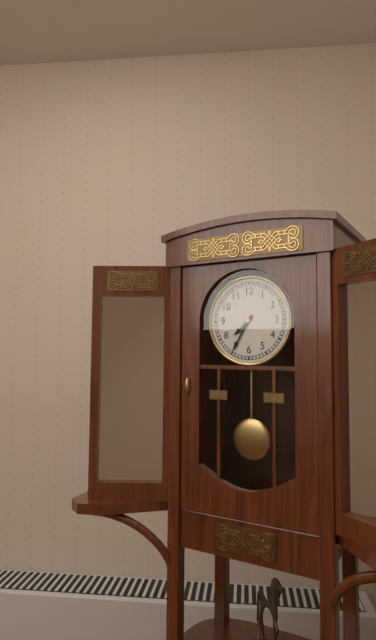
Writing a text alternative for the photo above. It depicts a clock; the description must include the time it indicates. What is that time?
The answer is 7:35
